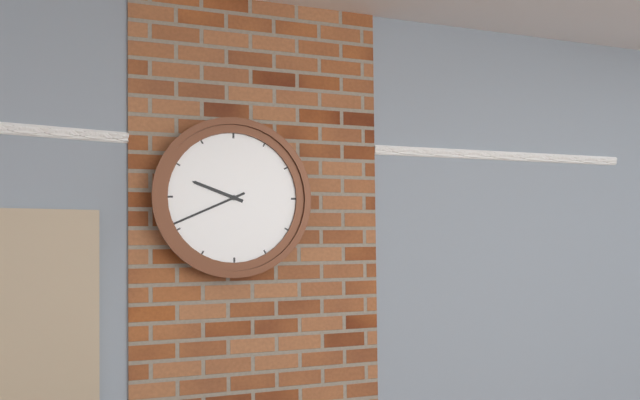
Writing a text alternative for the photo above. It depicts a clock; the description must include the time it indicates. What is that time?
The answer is 9:41
